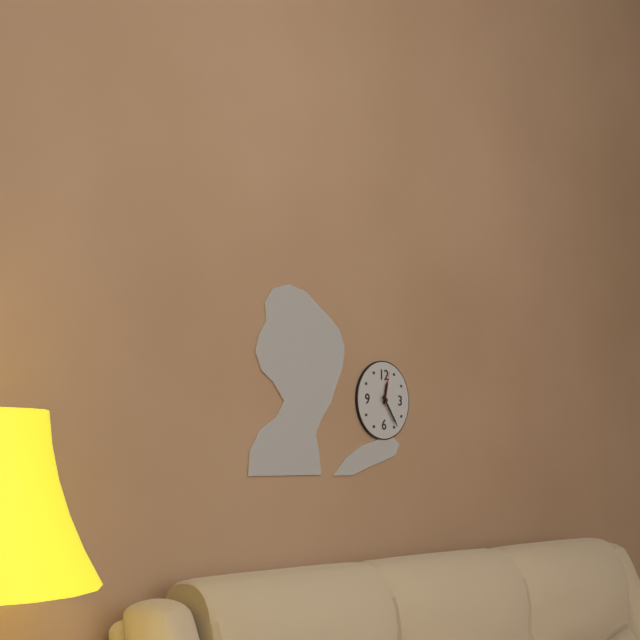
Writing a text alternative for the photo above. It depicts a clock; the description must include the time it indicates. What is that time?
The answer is 12:24
